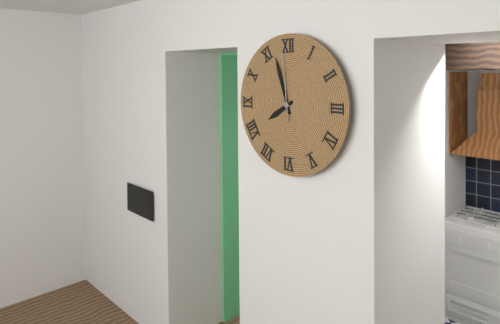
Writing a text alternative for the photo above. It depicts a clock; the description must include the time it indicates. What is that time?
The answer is 7:57:59
